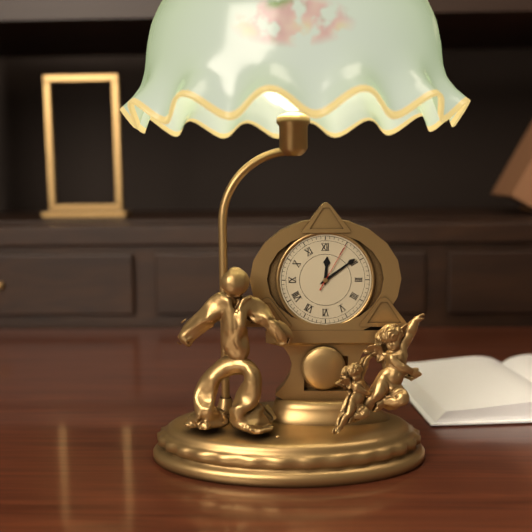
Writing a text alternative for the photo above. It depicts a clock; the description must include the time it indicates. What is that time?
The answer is 12:09:05
